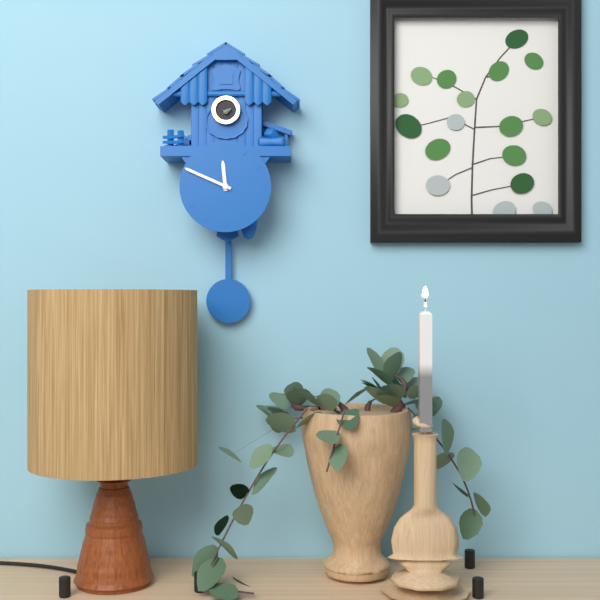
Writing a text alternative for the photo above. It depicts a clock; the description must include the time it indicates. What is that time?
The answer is 11:49
